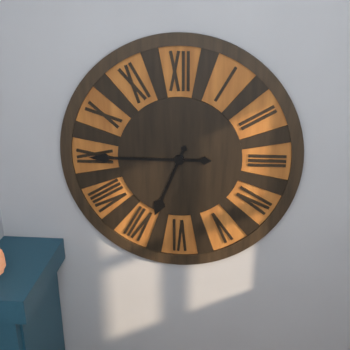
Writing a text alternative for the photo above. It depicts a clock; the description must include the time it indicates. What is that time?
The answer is 6:45
